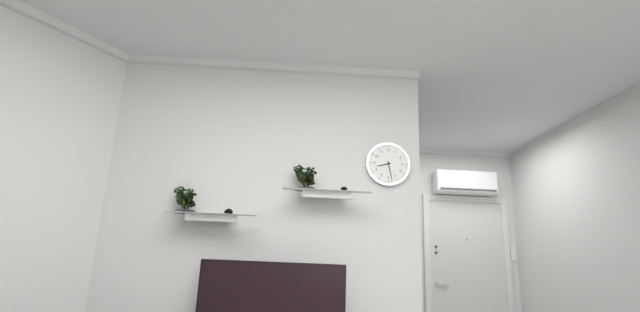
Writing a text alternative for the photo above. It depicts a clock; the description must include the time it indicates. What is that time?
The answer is 8:28
